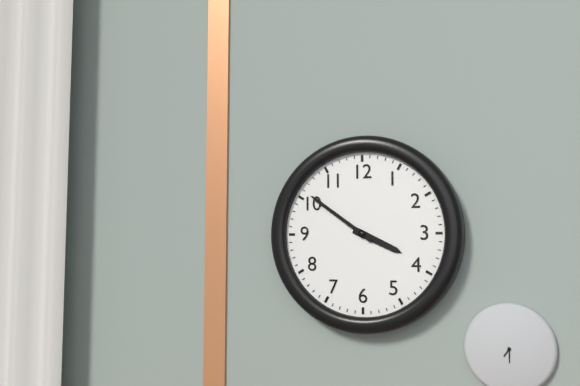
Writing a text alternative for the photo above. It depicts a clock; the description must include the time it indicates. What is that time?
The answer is 3:51
